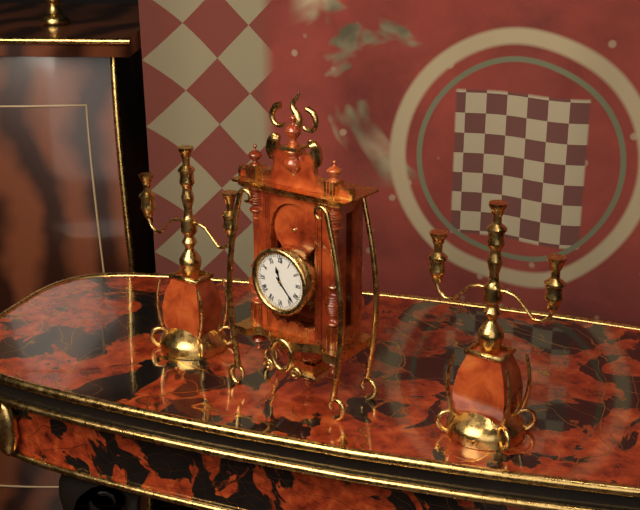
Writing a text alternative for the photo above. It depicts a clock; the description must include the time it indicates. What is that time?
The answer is 11:23
